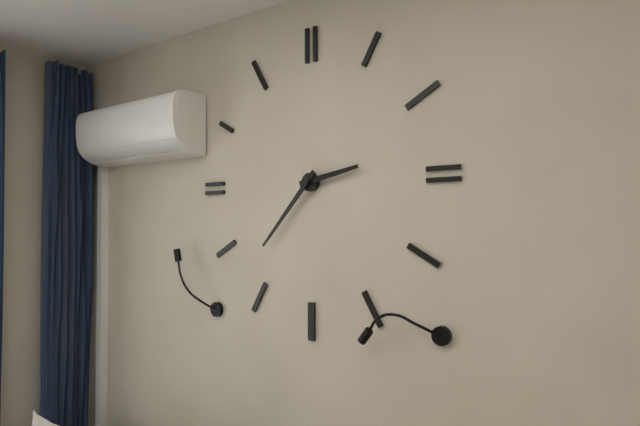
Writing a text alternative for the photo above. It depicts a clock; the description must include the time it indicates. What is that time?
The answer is 2:37
